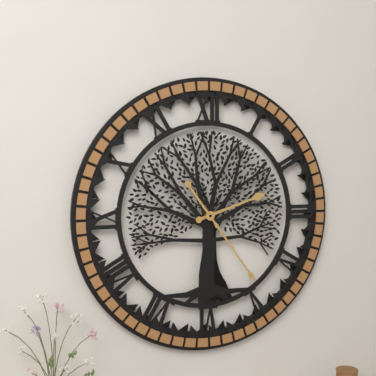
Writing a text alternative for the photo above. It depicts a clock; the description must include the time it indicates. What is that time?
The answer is 2:24
